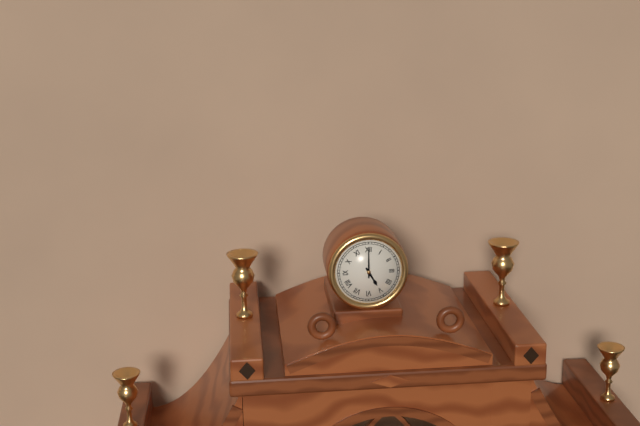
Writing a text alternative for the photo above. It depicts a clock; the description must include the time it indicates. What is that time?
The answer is 5:00
